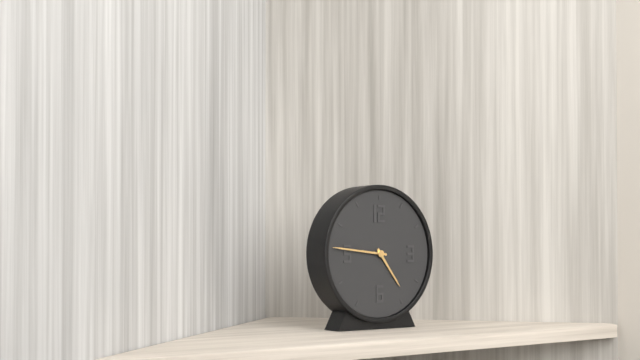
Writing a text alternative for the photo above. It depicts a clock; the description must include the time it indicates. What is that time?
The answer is 4:46
